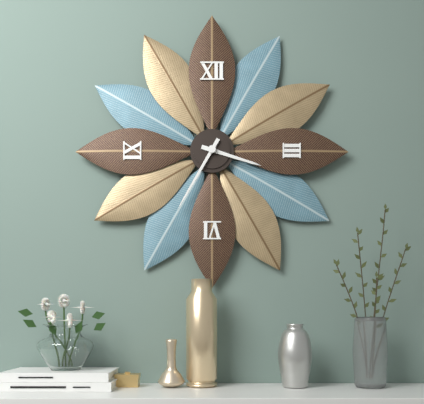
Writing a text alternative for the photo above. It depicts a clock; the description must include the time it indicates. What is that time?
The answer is 3:35
